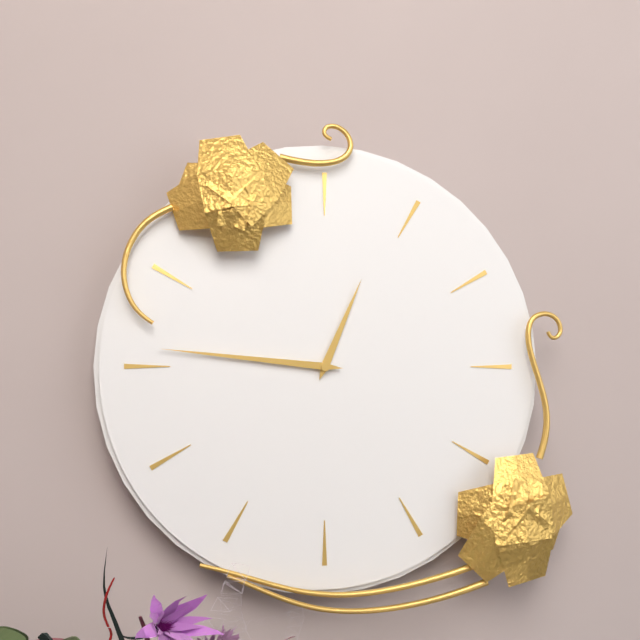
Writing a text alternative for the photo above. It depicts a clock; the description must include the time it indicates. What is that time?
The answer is 12:46
